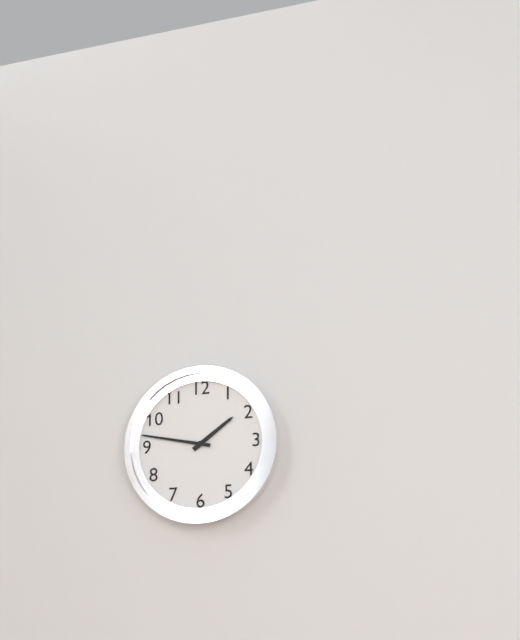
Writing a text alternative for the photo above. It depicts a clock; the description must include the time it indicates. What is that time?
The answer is 1:47
